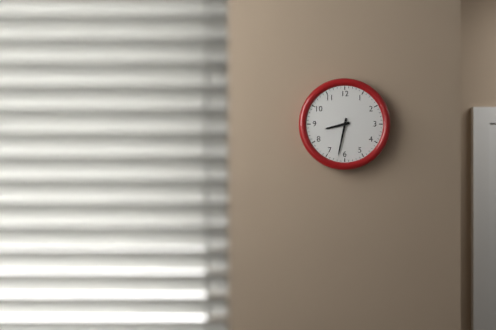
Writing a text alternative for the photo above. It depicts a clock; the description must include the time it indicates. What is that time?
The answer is 8:32
